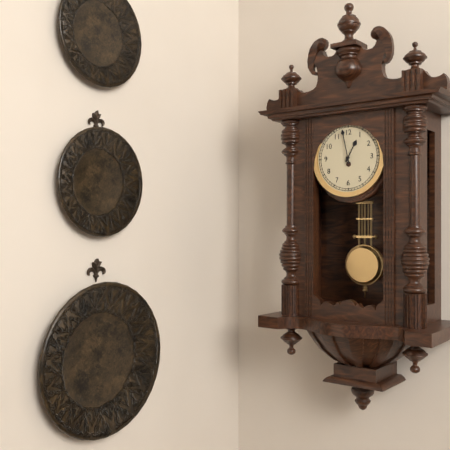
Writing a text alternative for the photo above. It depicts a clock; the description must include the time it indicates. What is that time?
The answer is 12:58
